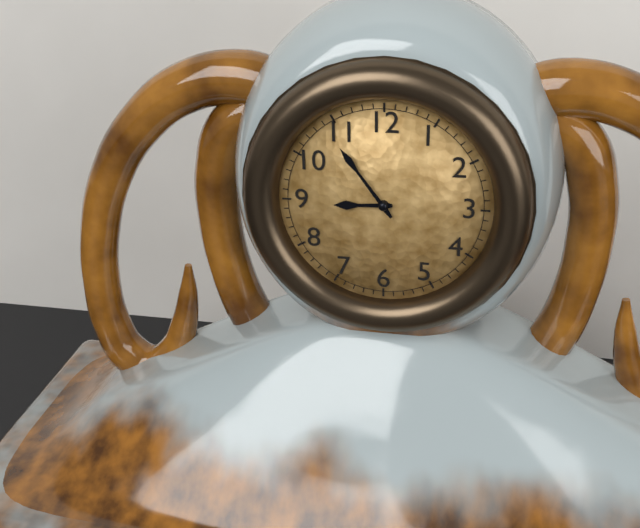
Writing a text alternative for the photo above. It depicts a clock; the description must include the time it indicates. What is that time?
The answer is 8:54
